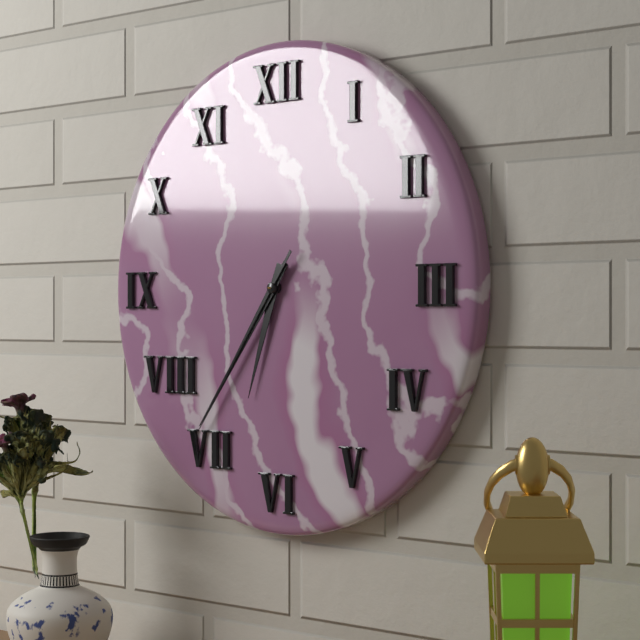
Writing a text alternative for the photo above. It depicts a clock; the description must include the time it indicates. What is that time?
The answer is 6:36:36
